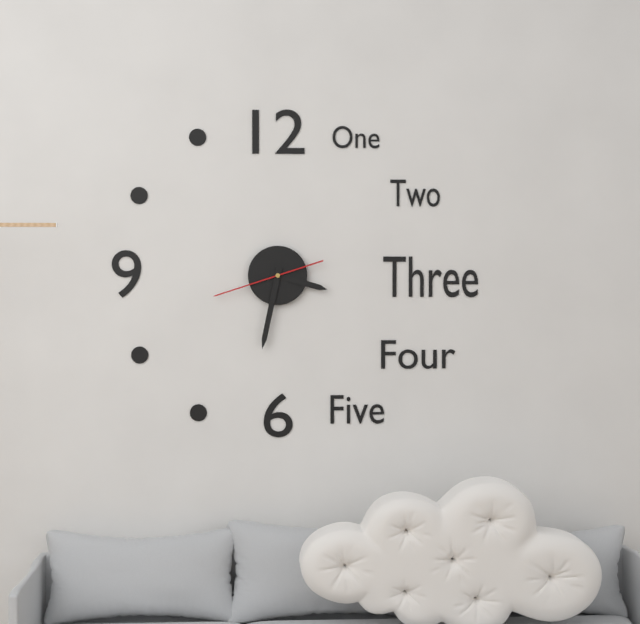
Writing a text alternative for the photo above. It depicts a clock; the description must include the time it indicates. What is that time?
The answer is 3:32:42
